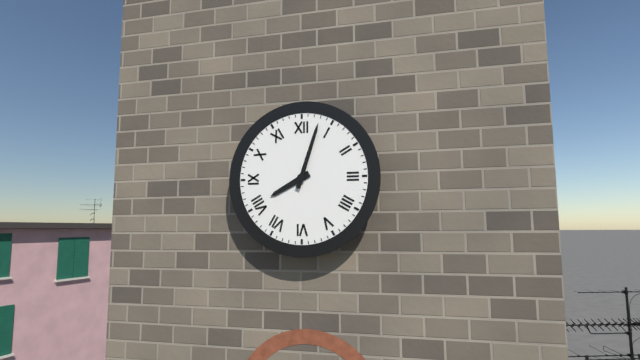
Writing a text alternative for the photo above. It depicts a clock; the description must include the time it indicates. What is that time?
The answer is 8:03
